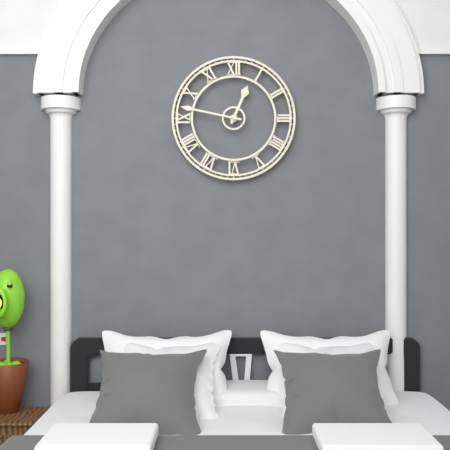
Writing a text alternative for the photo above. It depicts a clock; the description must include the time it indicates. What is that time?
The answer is 12:47
